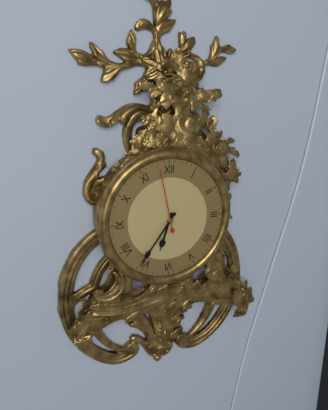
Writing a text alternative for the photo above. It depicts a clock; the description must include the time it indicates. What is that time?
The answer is 6:36:58
